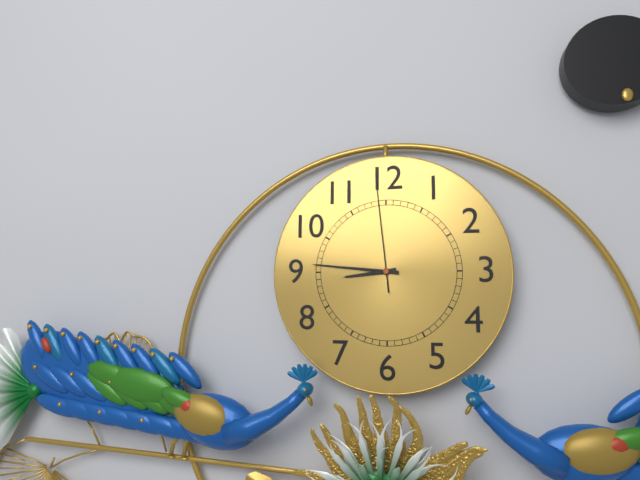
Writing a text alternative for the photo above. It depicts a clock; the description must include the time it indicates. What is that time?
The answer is 8:46:59
